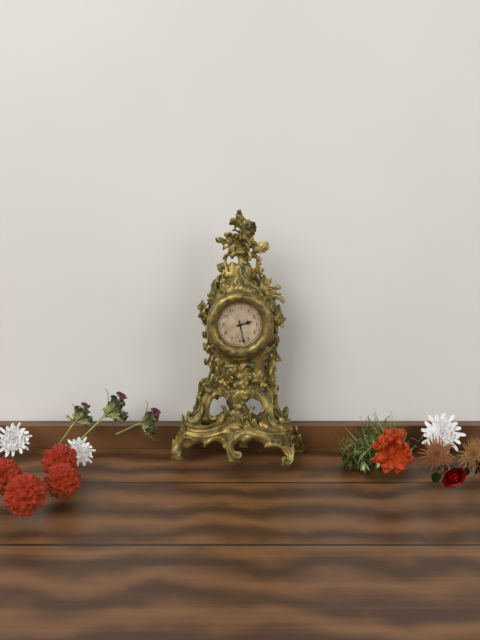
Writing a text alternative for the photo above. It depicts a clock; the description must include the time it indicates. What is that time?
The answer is 2:28
